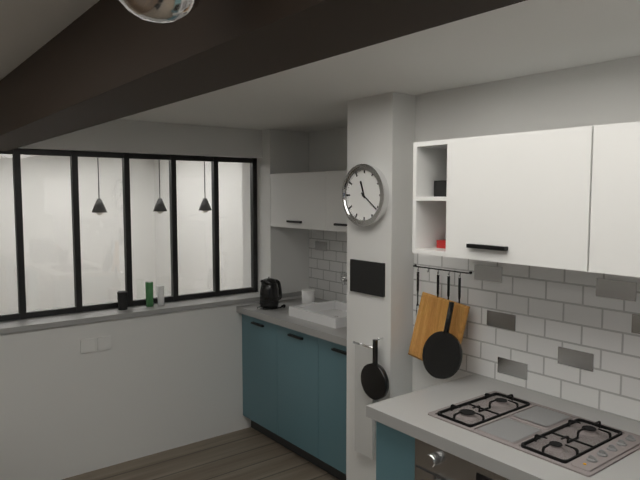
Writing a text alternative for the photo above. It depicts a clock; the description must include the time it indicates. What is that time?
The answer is 11:21
